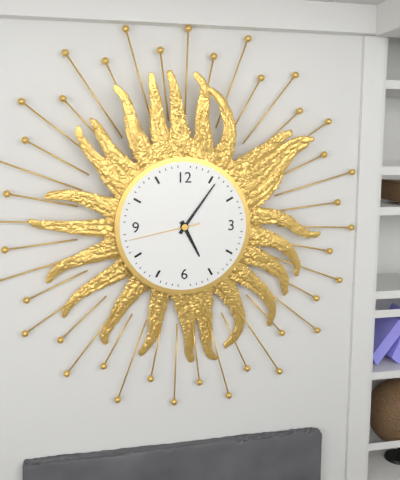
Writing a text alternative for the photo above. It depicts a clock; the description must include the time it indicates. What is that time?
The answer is 5:06:43
